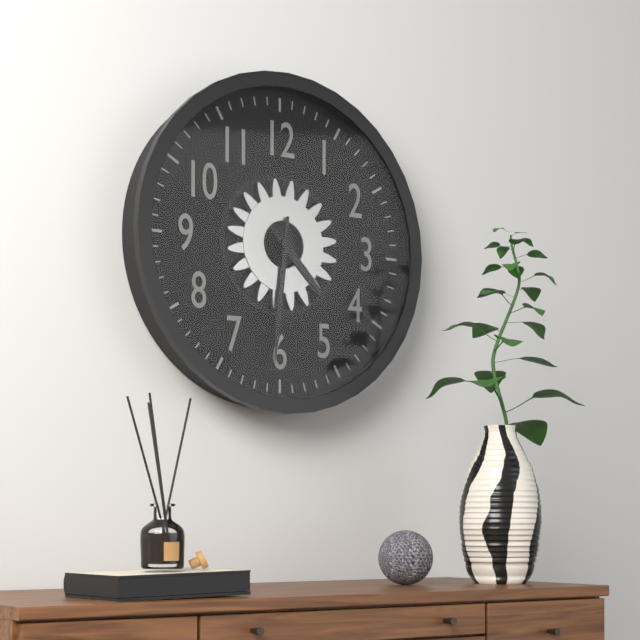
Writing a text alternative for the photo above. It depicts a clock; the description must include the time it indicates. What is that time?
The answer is 4:31
